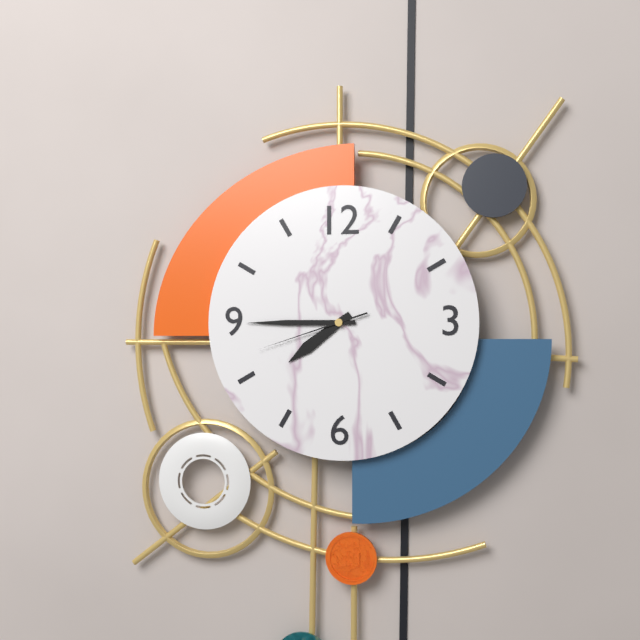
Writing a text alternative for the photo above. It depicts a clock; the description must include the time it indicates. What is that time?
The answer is 7:45:42
